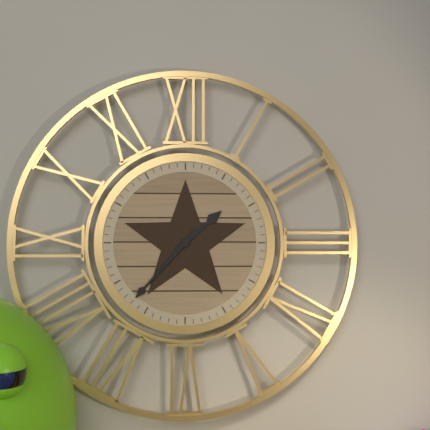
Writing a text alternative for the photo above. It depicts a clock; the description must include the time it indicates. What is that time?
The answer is 1:37
